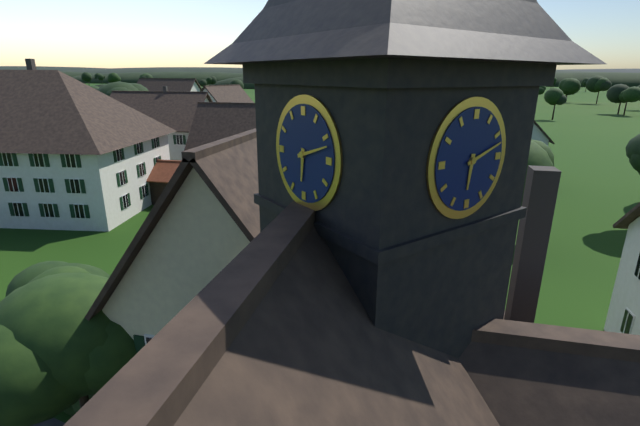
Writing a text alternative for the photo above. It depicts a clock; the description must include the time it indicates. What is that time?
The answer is 6:12
